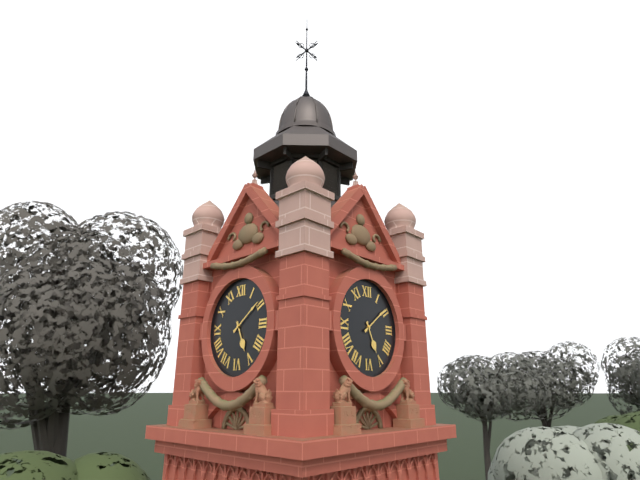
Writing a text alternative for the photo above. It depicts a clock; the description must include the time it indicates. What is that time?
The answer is 5:09
